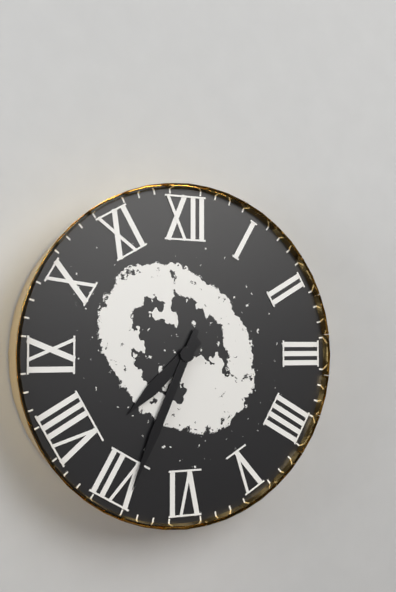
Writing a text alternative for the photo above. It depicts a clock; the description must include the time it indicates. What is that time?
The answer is 7:34
